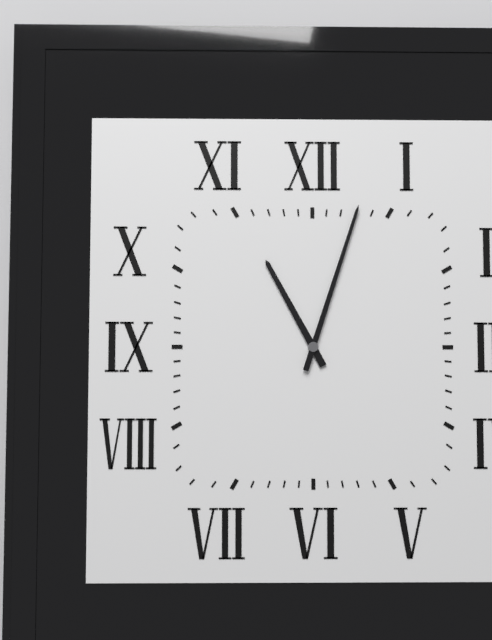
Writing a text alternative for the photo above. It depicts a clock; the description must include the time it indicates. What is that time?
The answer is 11:03
